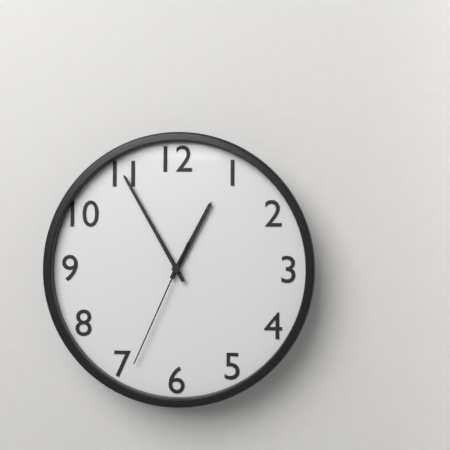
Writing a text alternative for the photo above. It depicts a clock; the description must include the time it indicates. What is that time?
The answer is 12:55:34
